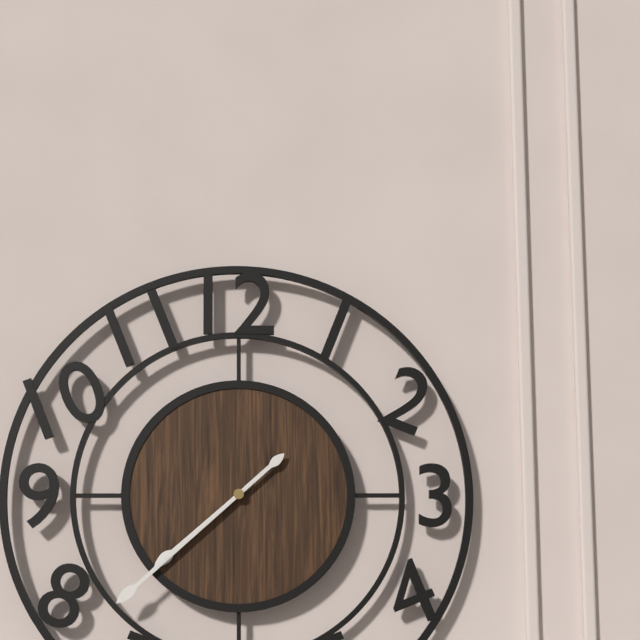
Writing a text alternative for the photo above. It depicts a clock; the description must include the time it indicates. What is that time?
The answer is 7:38
